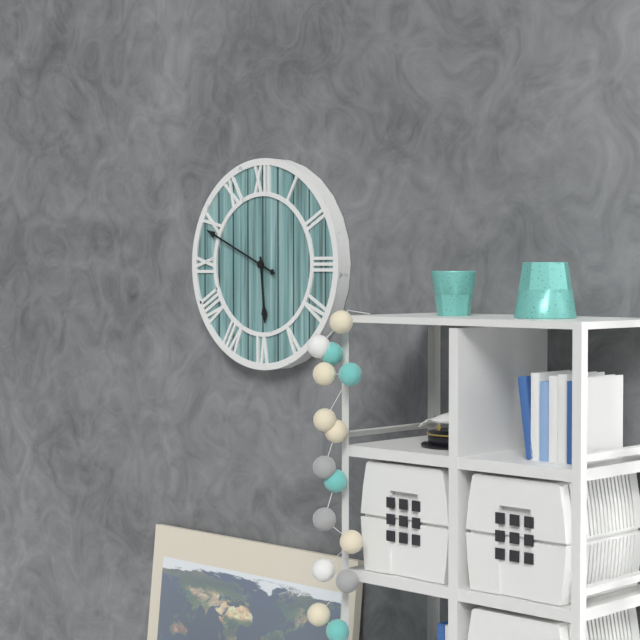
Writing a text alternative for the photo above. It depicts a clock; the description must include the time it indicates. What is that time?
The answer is 5:49
